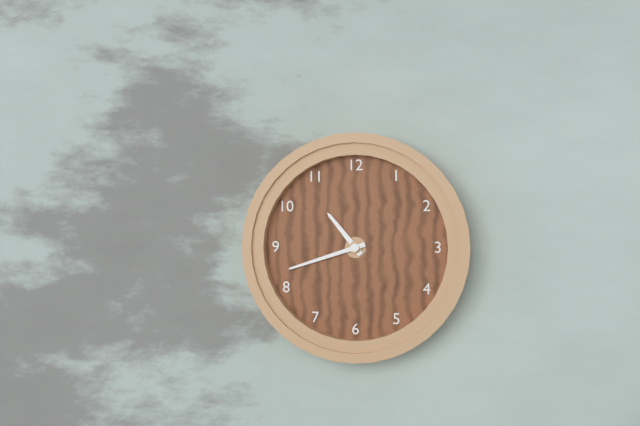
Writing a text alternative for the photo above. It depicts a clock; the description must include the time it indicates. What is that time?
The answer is 10:42
